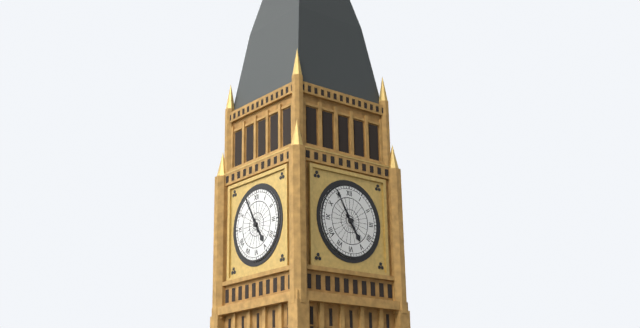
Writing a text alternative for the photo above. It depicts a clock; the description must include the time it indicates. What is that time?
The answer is 4:55
